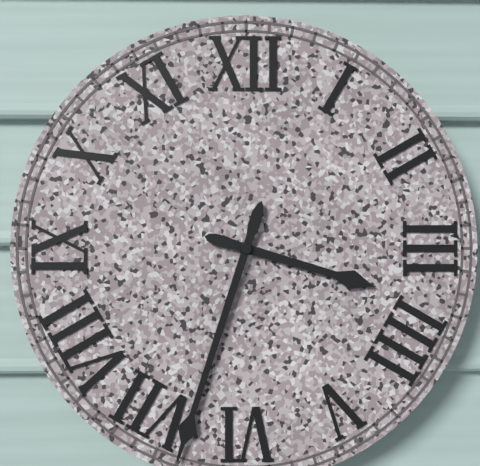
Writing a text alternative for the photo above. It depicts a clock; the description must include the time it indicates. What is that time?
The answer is 3:33
